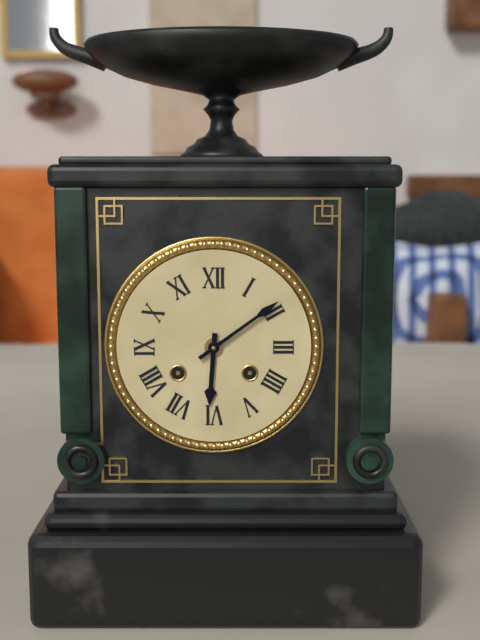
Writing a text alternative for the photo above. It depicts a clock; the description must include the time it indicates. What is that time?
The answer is 6:09
